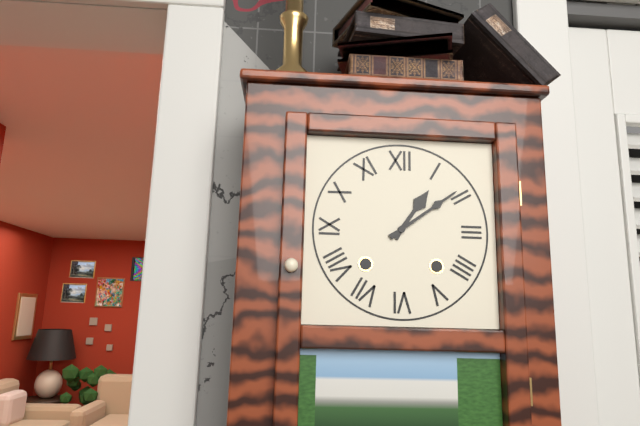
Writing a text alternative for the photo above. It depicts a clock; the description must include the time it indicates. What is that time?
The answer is 1:09
